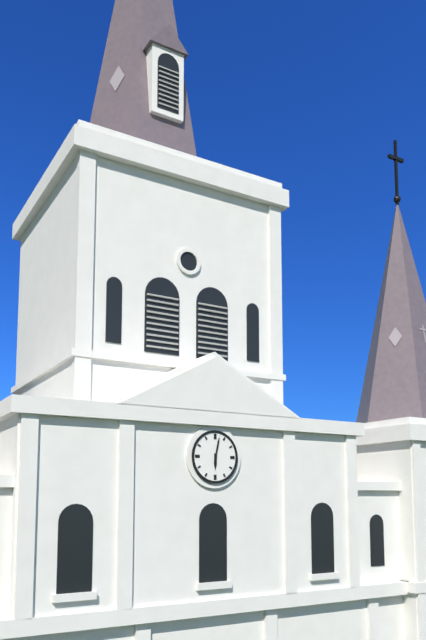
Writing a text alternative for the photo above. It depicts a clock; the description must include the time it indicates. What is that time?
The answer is 6:02
